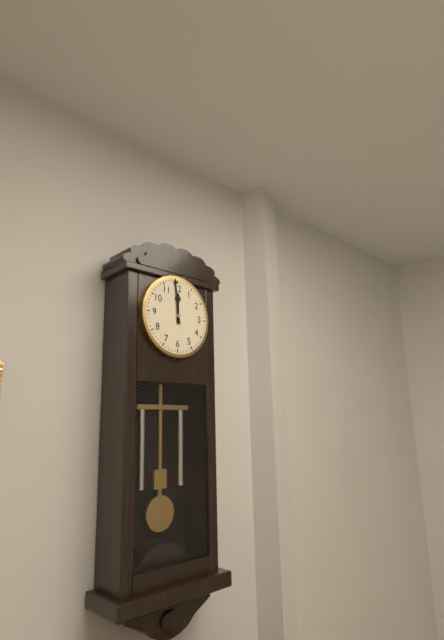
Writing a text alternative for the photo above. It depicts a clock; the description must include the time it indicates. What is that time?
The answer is 11:59
